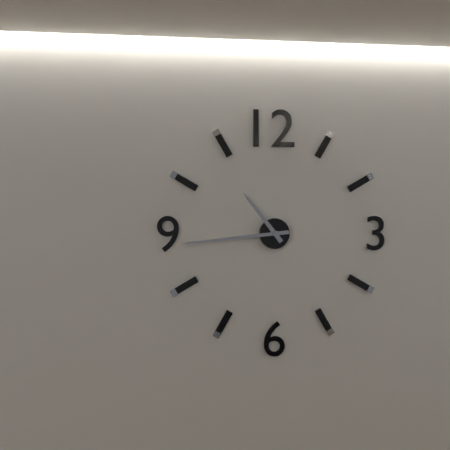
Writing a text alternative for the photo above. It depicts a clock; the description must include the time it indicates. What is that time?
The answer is 10:44
